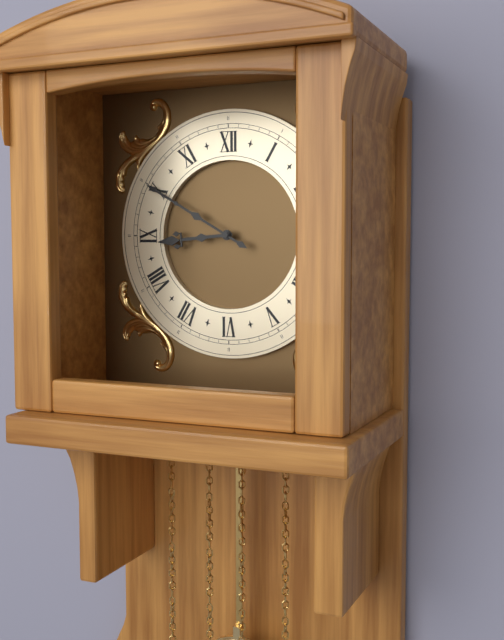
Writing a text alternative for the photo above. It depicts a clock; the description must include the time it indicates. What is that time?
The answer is 8:50
